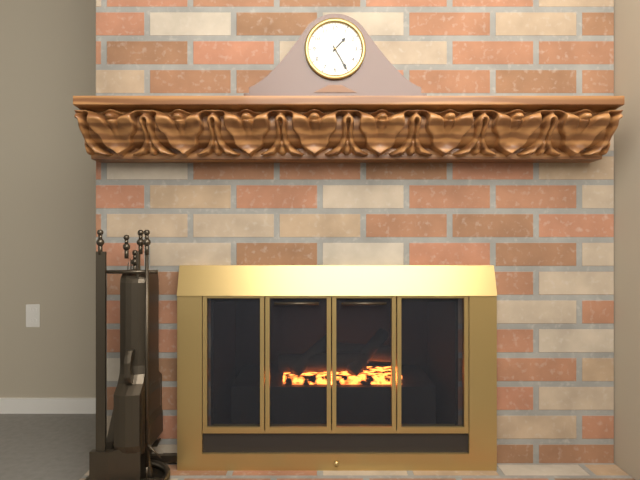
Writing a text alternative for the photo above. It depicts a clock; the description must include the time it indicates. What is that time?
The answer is 1:25
